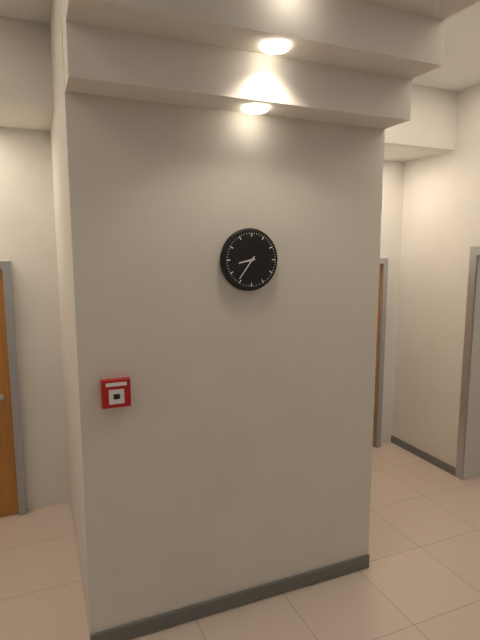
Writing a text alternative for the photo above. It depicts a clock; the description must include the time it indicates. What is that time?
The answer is 8:36
